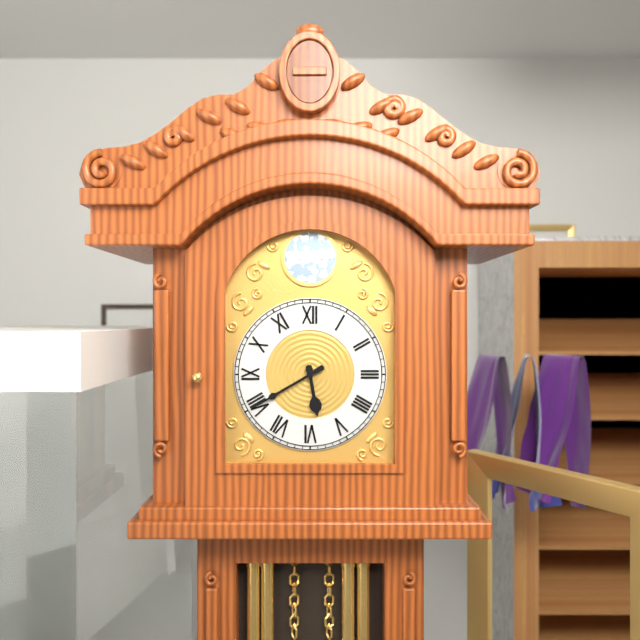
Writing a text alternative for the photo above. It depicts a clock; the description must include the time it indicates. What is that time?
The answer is 5:40
